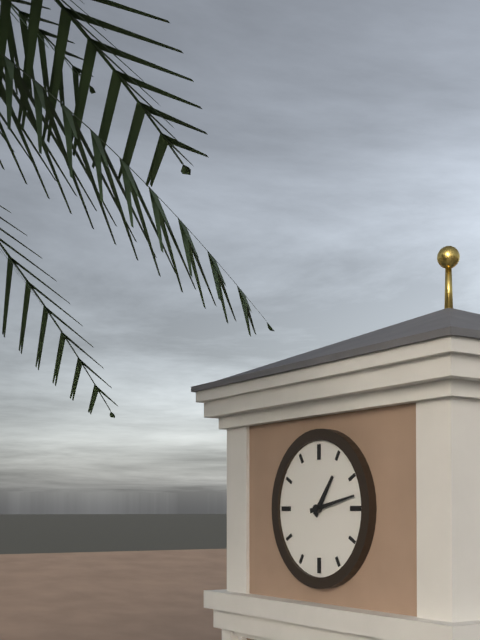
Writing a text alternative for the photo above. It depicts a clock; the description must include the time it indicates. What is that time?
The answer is 1:13
